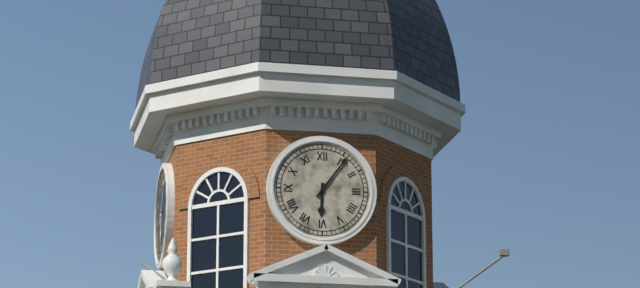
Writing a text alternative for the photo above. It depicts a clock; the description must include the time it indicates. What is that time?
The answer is 6:06
